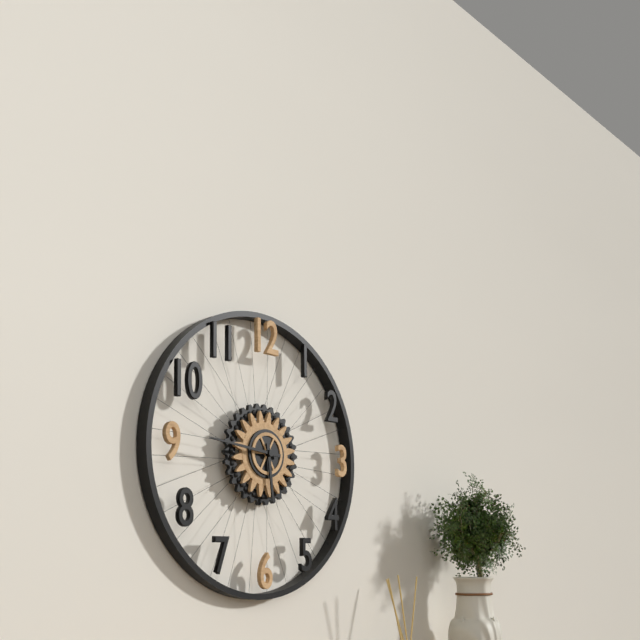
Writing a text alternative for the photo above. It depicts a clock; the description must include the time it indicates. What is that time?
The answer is 5:46
